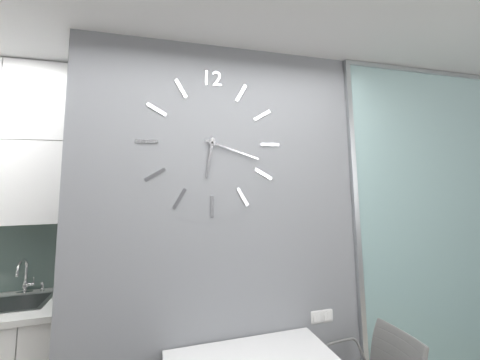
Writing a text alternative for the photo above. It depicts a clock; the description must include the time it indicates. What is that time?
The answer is 6:18
